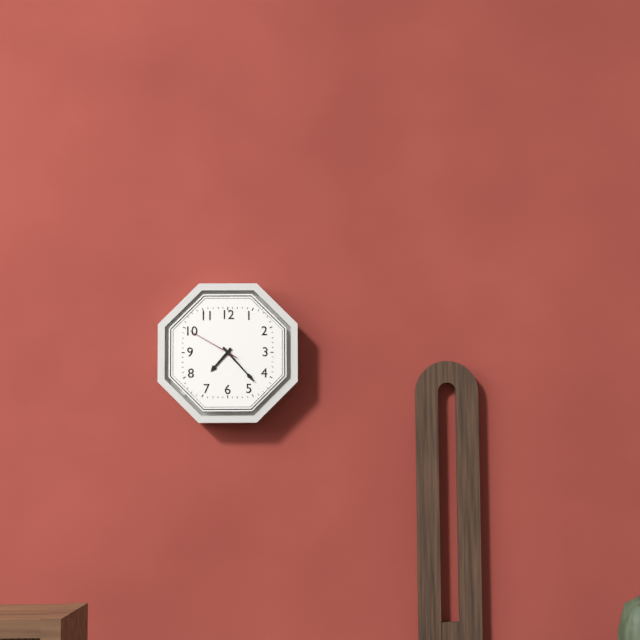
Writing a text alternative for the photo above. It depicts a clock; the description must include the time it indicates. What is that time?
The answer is 7:23:50
